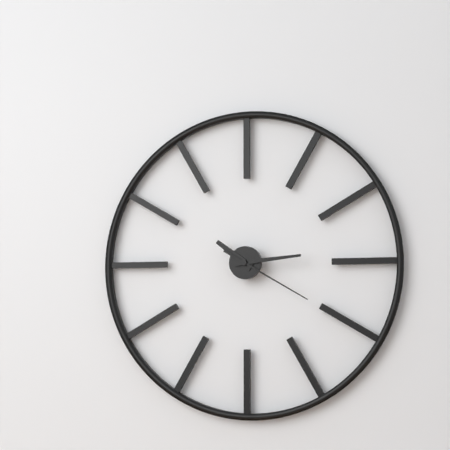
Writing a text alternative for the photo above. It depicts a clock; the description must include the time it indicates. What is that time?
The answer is 10:14:20
